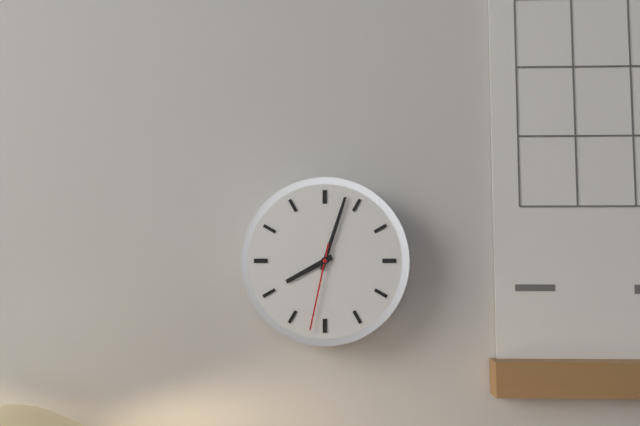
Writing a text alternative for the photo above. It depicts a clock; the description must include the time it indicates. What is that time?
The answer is 8:03:32
